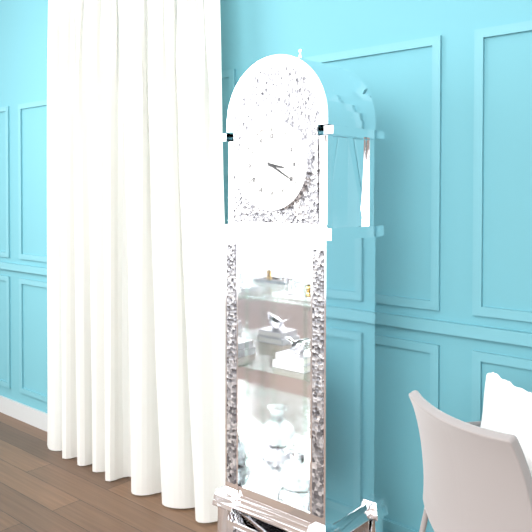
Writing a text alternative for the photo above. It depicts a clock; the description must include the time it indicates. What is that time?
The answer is 3:20
